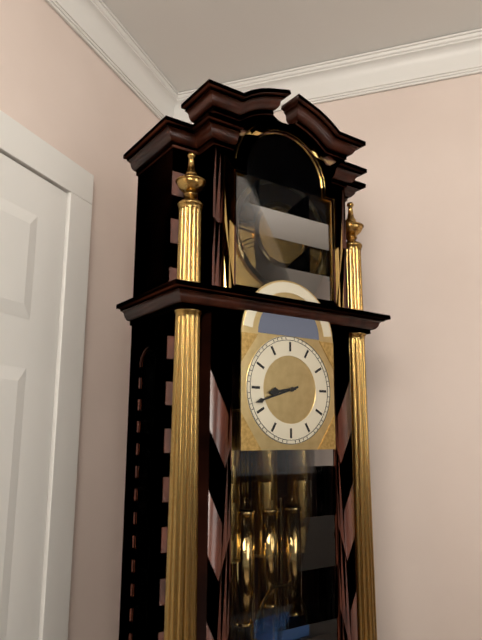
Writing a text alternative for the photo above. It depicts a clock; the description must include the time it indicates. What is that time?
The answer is 8:42
